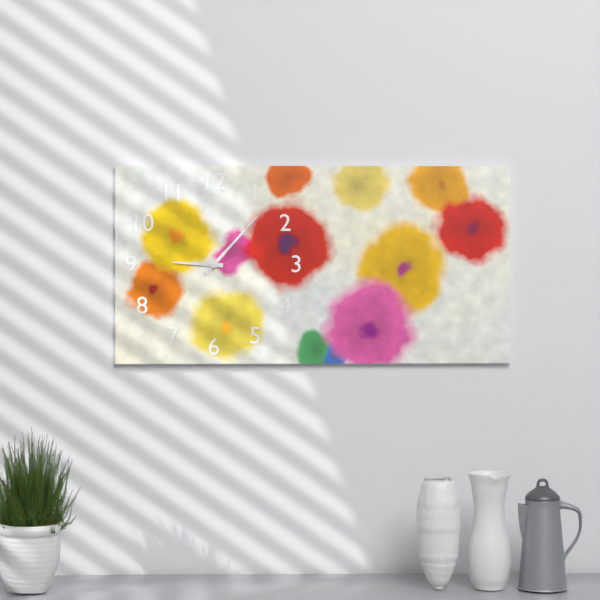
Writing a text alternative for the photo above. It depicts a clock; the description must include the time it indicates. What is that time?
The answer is 9:07
